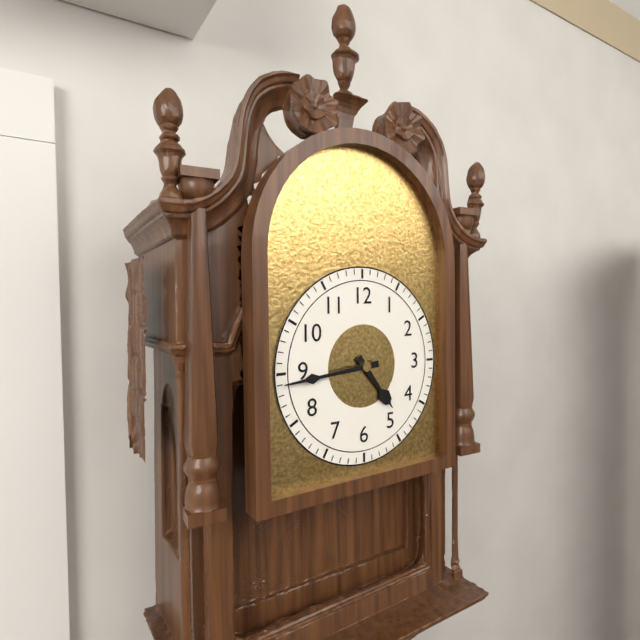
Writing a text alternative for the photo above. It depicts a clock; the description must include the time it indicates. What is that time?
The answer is 4:44
